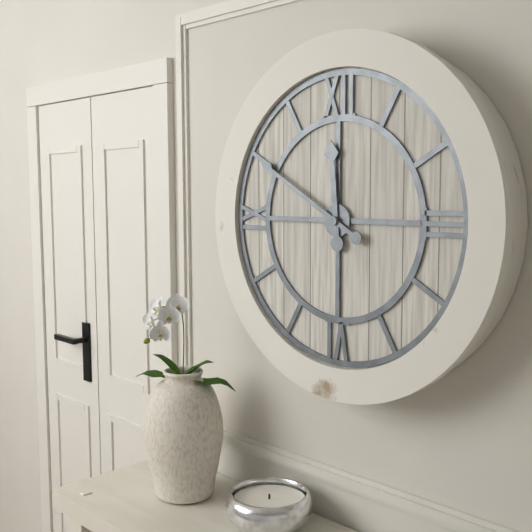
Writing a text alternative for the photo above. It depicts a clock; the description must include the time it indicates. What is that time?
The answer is 11:50
